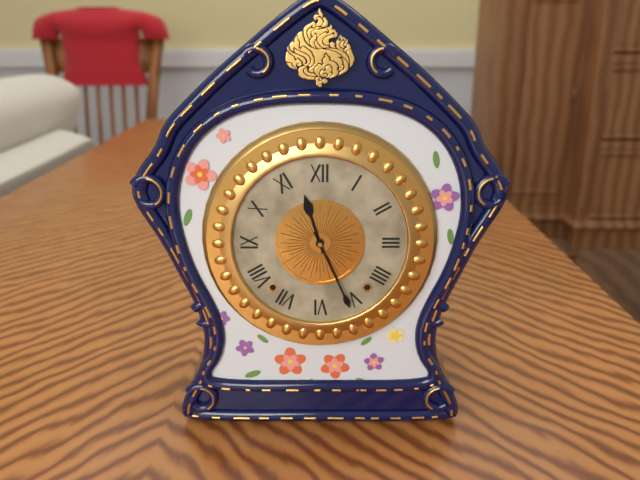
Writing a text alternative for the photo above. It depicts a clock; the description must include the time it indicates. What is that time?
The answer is 11:26
